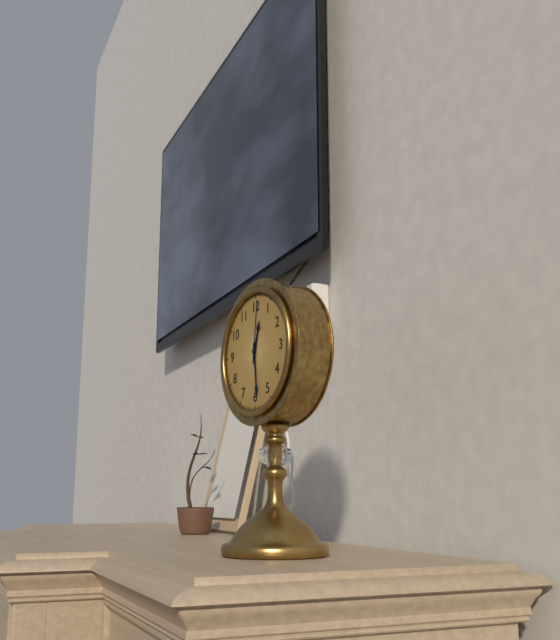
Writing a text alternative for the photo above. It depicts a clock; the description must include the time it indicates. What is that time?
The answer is 12:29:01
